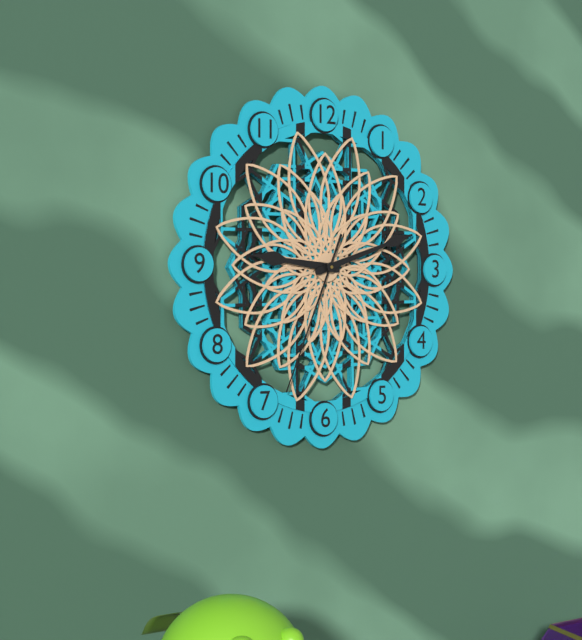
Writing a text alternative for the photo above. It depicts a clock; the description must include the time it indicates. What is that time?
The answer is 9:12:34
